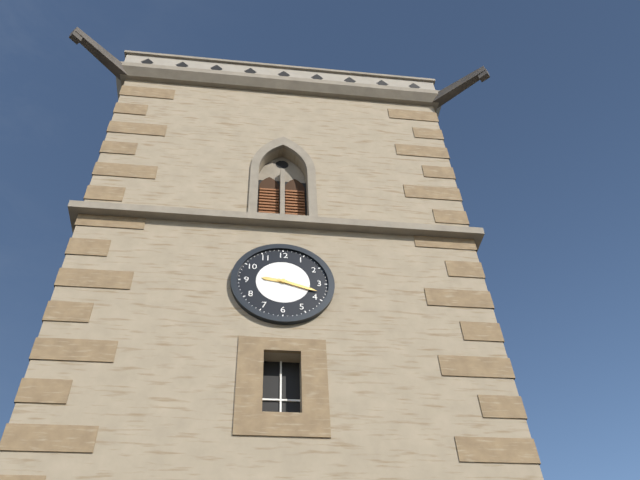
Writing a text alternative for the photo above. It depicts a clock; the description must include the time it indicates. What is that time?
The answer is 9:18
